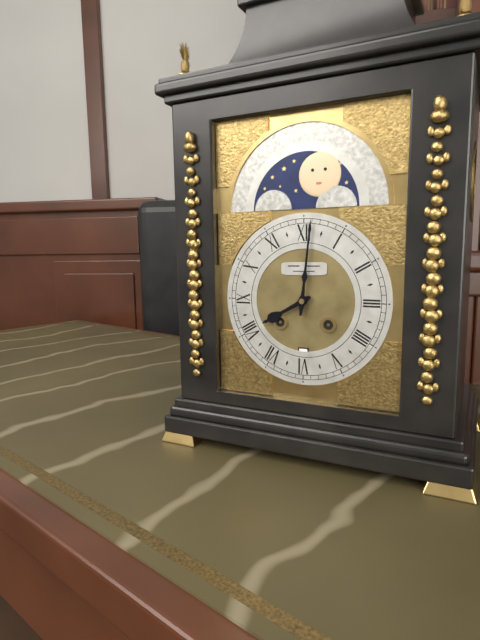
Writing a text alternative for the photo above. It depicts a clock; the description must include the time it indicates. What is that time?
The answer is 8:01
